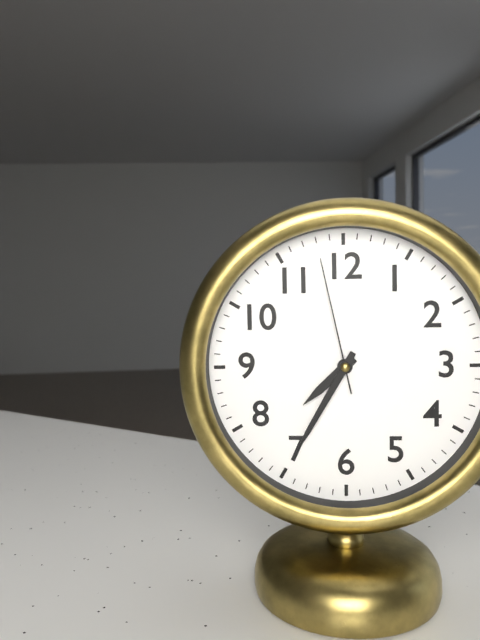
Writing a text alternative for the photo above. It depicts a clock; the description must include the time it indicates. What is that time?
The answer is 7:35:58
